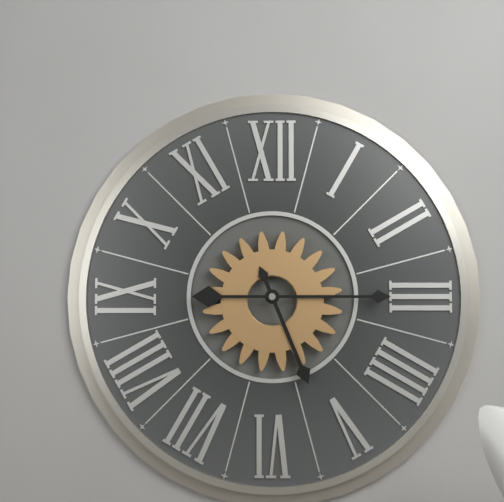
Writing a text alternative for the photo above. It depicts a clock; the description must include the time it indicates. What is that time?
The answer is 5:15
